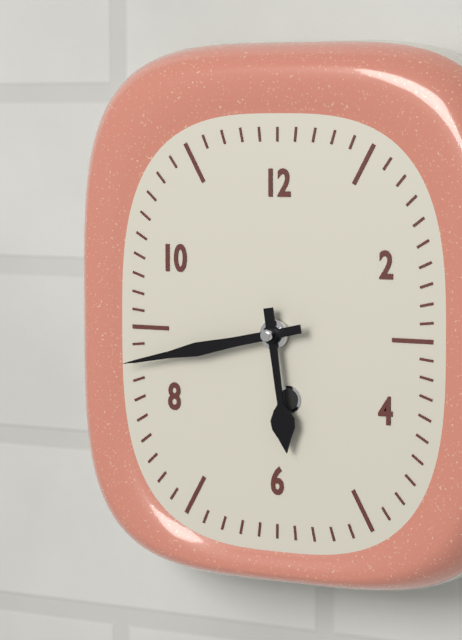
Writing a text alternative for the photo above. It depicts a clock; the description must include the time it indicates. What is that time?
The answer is 5:43
